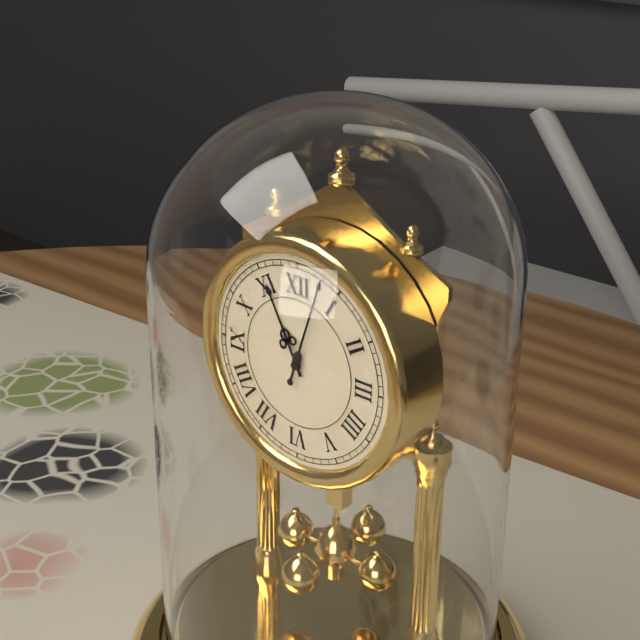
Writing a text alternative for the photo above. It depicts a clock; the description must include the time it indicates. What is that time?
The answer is 11:03
